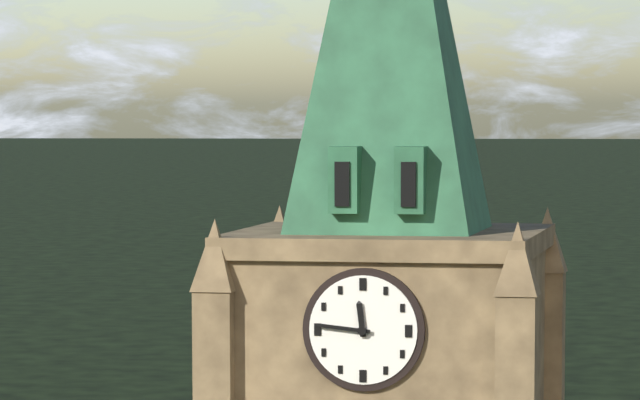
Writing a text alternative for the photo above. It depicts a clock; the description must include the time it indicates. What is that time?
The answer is 11:46
